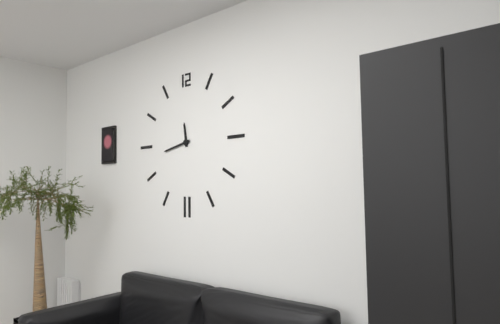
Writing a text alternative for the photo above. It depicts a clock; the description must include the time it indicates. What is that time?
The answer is 11:43
